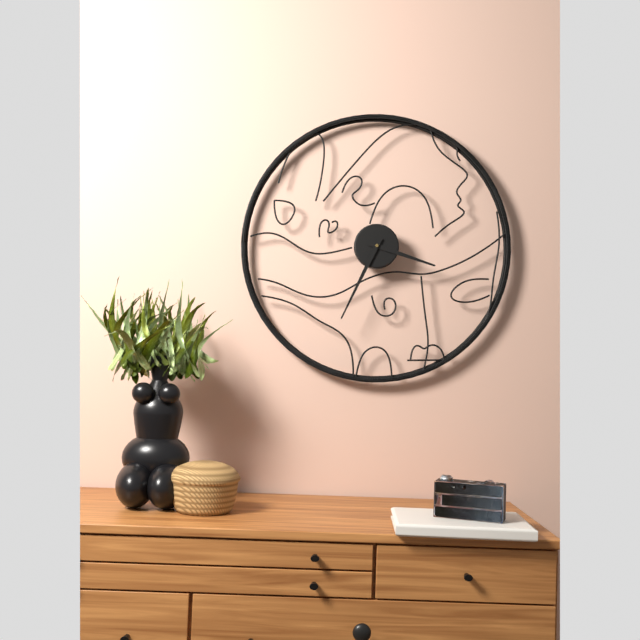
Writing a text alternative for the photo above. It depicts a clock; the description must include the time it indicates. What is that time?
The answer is 3:34
